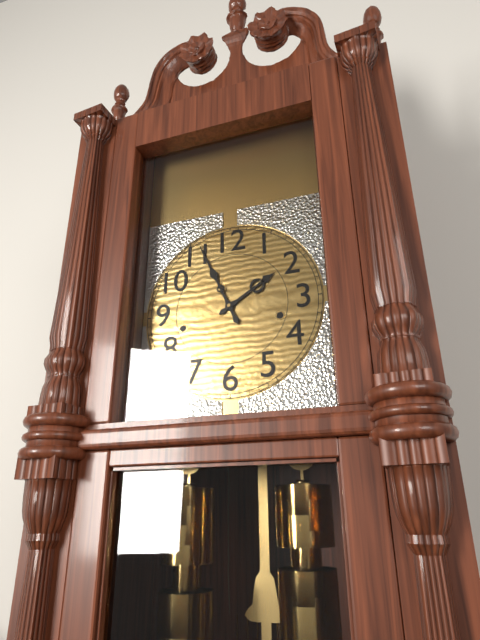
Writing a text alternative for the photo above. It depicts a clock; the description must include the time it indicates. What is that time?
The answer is 1:56
